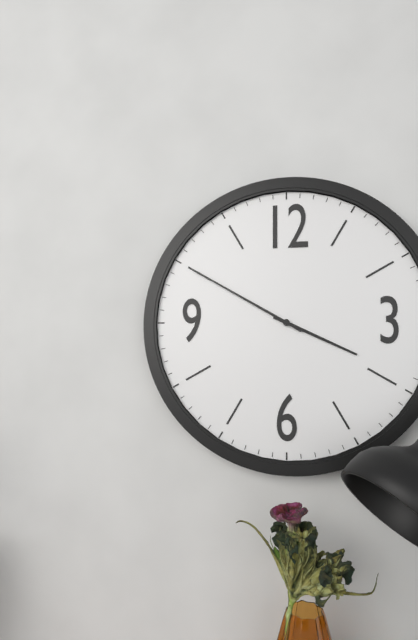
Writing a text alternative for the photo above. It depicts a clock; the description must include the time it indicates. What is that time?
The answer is 3:50
